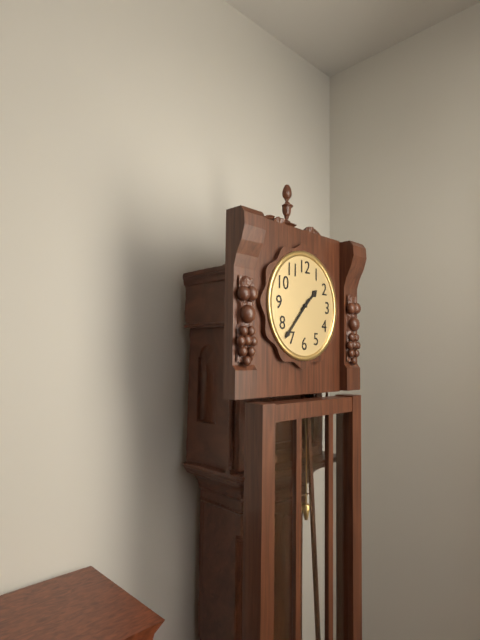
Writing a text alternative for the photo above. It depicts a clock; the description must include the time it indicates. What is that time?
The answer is 1:37
